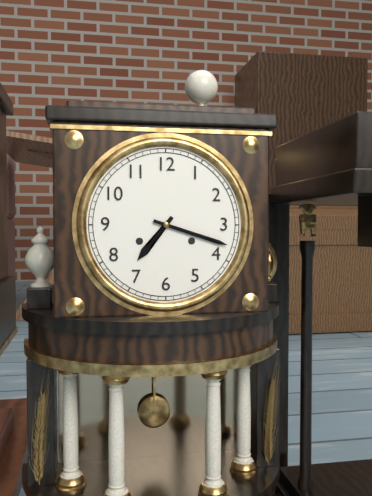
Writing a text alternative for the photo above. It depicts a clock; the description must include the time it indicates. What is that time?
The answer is 7:18
